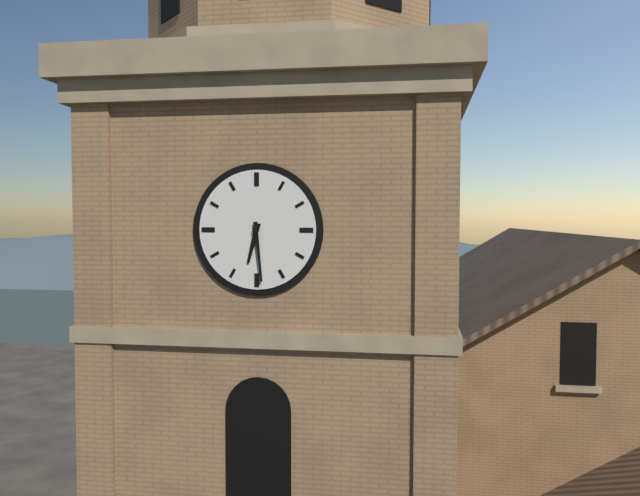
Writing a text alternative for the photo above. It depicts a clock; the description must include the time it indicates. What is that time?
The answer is 6:29
